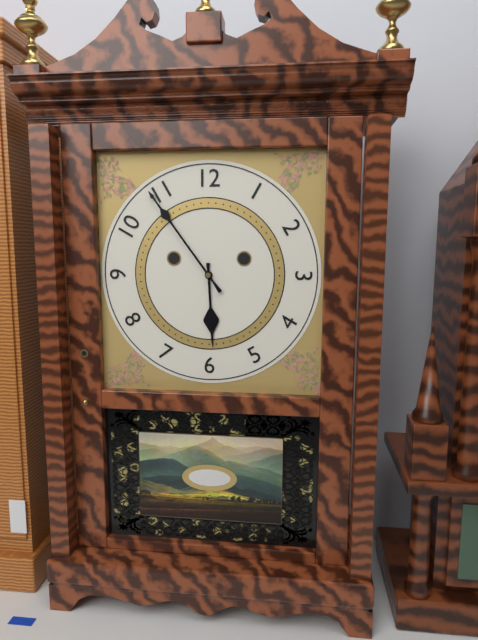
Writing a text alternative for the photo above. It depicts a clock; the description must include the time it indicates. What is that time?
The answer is 5:54
